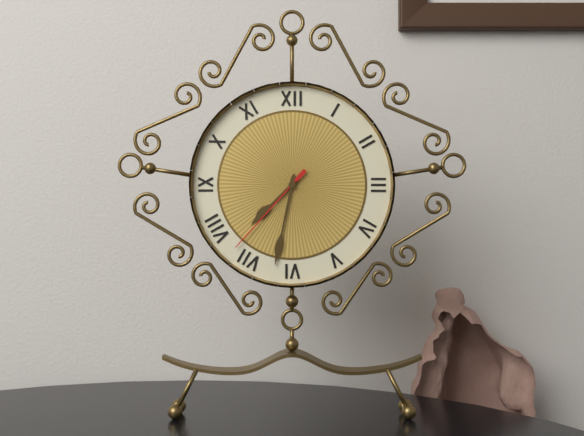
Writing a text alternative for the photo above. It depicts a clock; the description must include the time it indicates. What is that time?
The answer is 7:32:37
